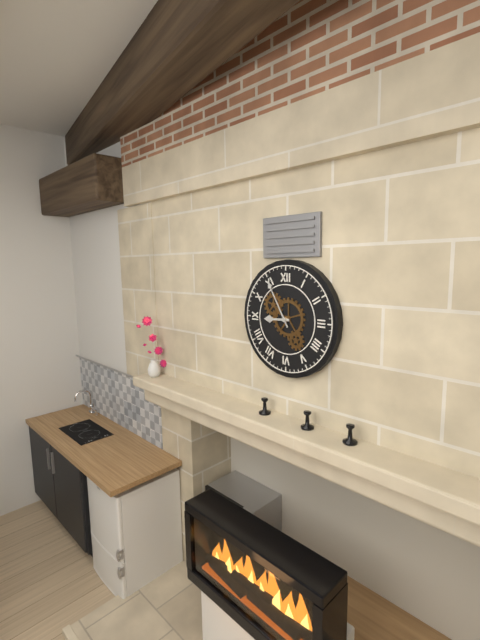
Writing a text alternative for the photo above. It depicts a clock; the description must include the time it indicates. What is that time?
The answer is 8:55
